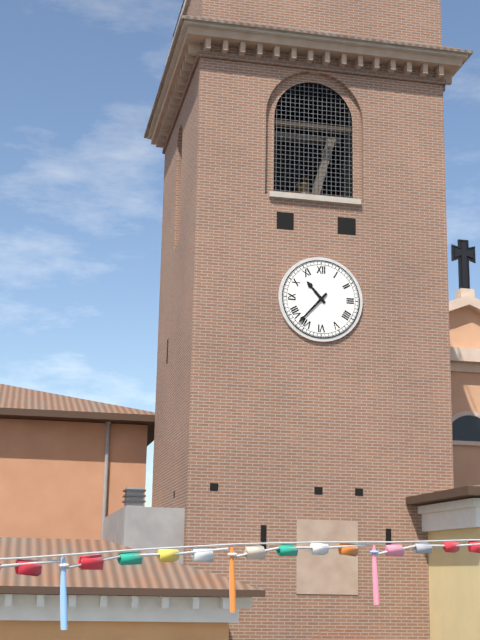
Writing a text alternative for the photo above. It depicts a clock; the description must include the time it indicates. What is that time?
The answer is 10:37
